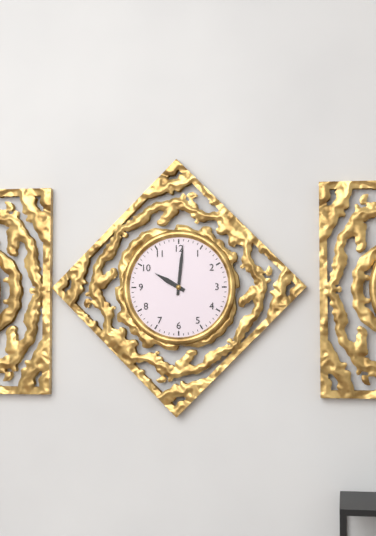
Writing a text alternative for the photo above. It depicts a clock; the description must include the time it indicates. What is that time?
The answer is 10:01
